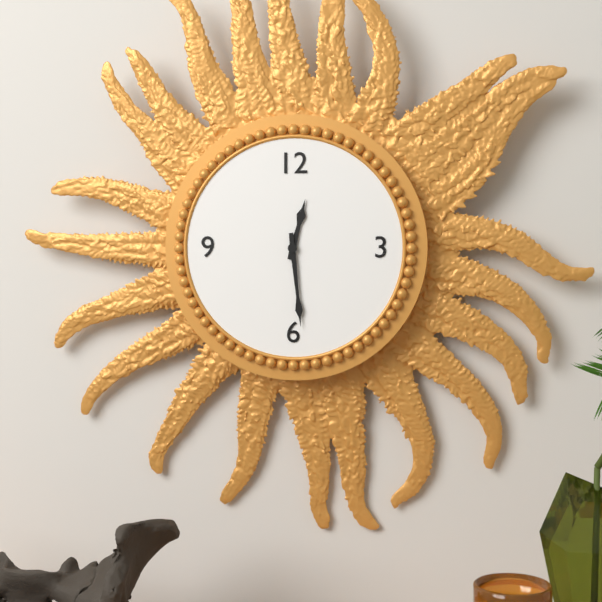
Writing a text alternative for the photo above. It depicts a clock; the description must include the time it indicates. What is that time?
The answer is 12:29
